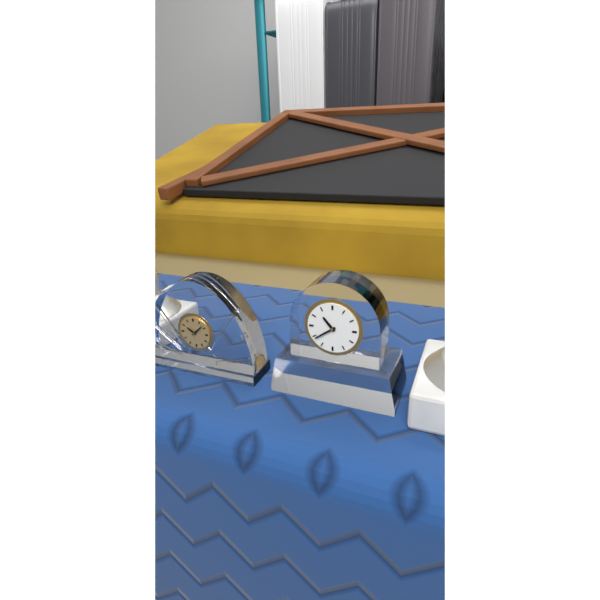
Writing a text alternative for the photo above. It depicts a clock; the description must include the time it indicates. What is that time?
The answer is 10:39
